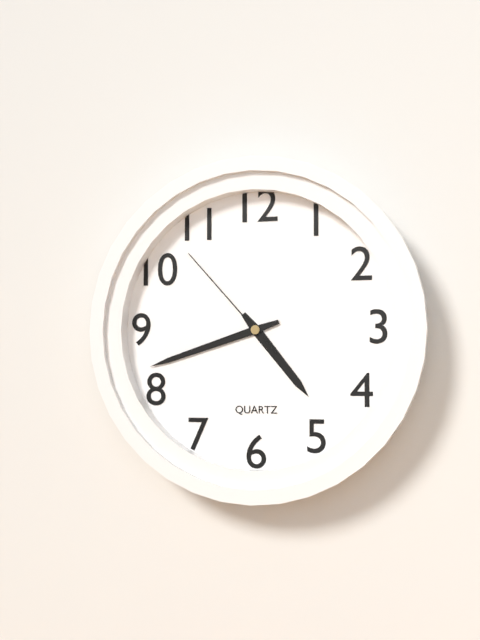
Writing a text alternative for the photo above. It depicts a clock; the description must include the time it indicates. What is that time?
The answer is 4:42:53
